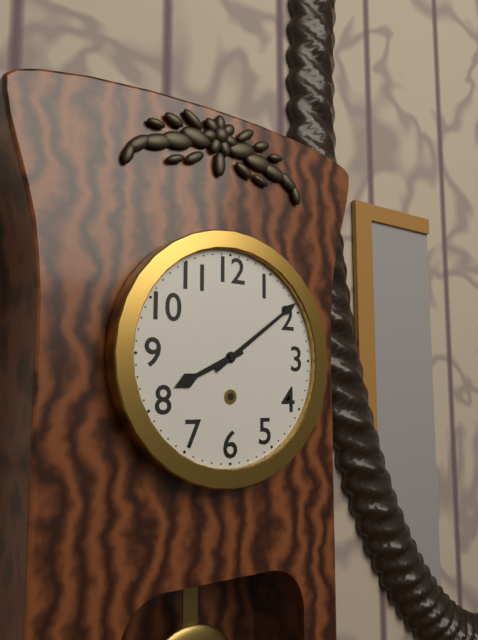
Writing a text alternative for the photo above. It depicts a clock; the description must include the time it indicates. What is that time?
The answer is 8:09
